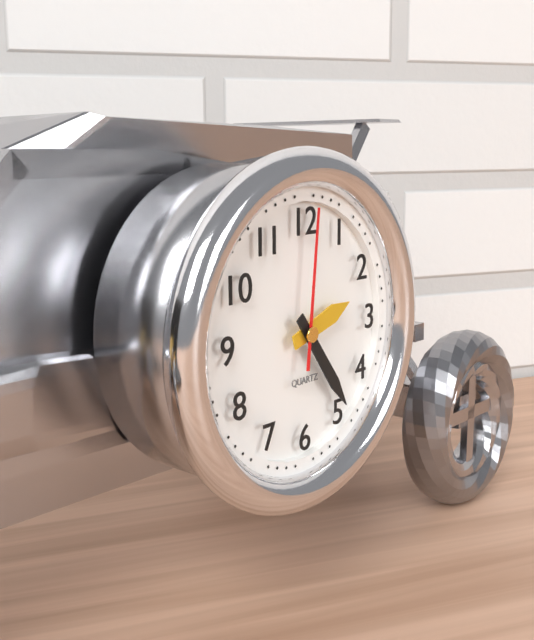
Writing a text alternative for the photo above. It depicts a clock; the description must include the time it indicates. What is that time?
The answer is 2:24:01
